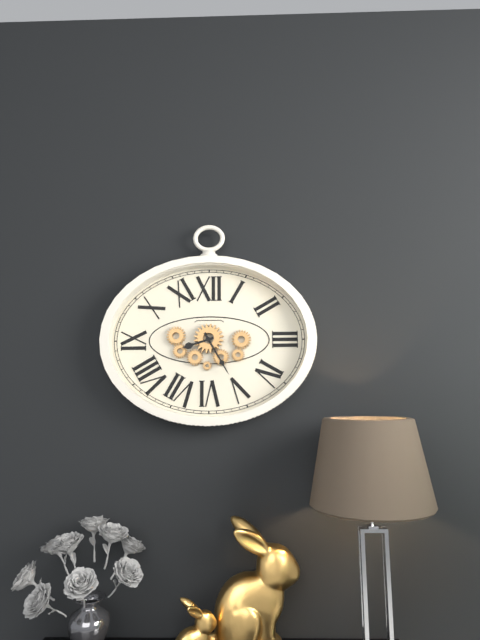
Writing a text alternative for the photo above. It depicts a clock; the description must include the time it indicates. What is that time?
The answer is 8:25
